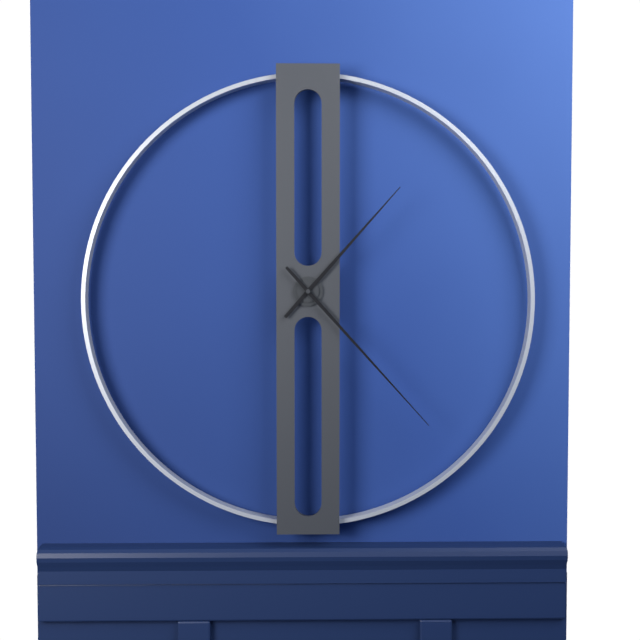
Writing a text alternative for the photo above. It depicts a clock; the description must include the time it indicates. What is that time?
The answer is 1:23
